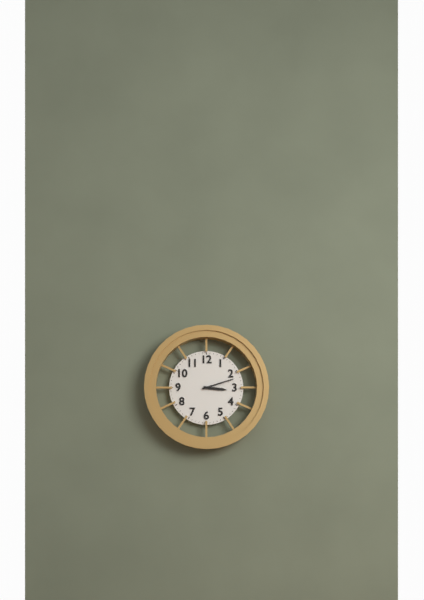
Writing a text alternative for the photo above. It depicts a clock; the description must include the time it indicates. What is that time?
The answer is 3:12
